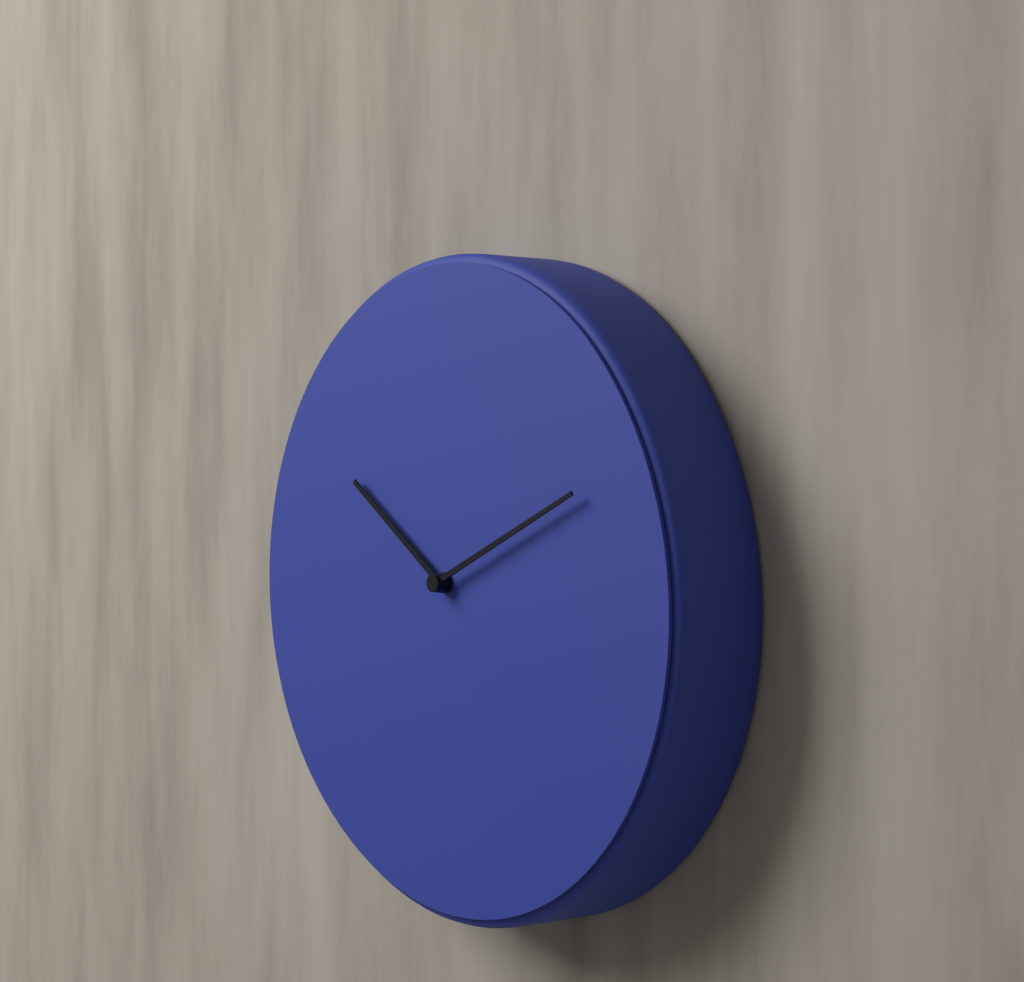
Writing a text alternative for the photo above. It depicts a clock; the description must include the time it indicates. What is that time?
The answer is 10:11
